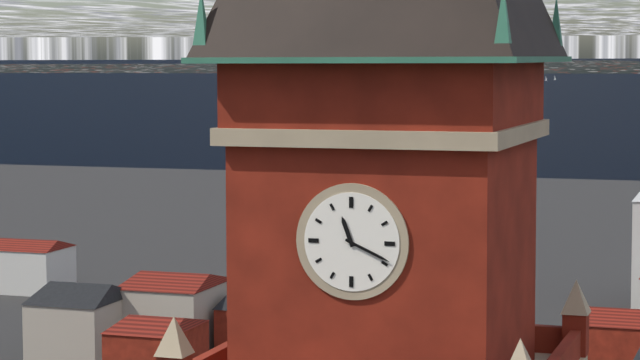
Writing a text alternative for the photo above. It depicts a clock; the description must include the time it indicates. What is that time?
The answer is 11:19
